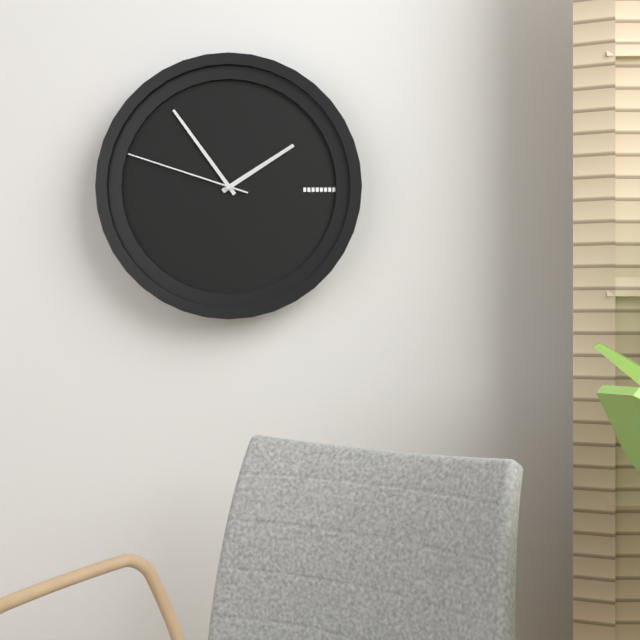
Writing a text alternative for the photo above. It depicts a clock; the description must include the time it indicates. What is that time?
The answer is 1:54:48
